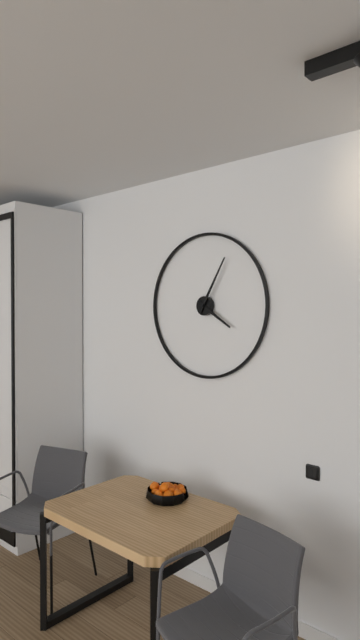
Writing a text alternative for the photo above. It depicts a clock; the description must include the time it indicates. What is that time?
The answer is 4:05
